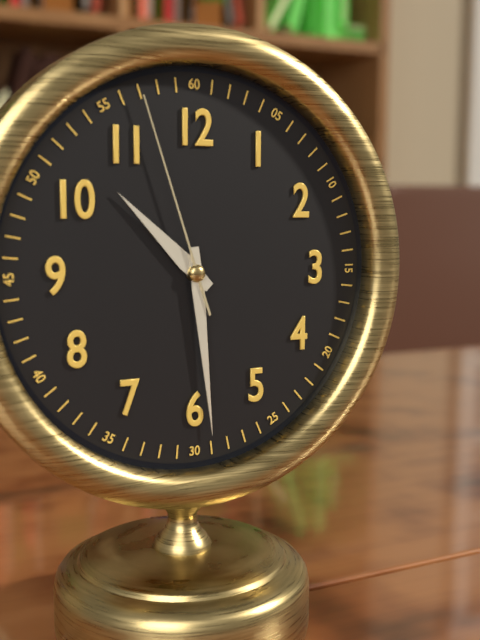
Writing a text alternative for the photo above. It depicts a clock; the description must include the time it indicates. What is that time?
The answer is 10:29:57
